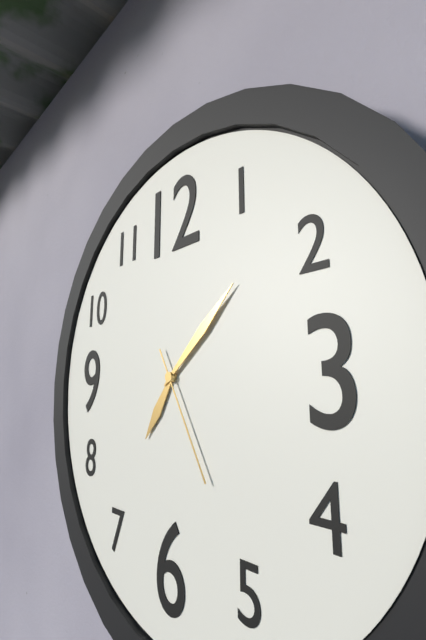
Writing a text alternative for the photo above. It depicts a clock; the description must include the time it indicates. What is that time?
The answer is 7:08:25
